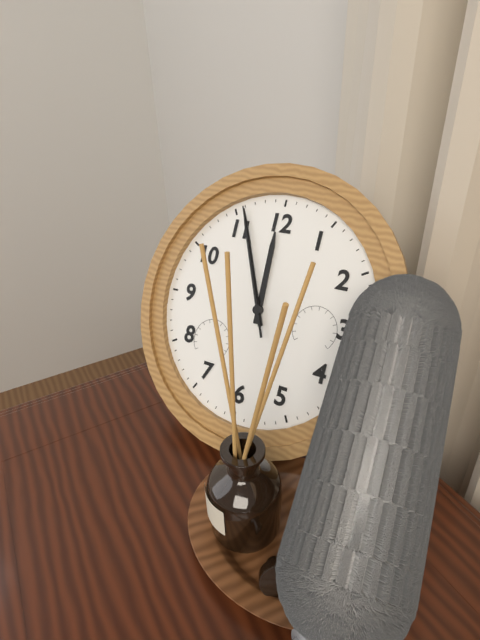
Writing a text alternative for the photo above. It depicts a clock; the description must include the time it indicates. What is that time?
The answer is 11:56:56
